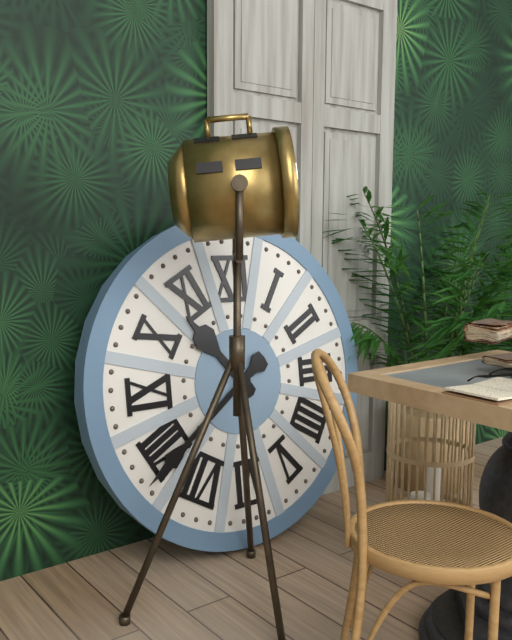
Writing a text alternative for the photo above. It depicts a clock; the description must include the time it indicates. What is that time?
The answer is 10:39
